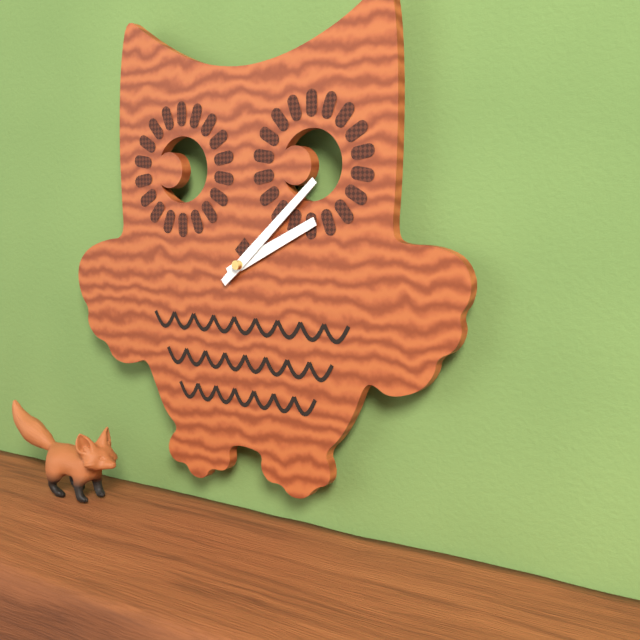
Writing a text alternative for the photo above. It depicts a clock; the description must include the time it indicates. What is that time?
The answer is 2:08
